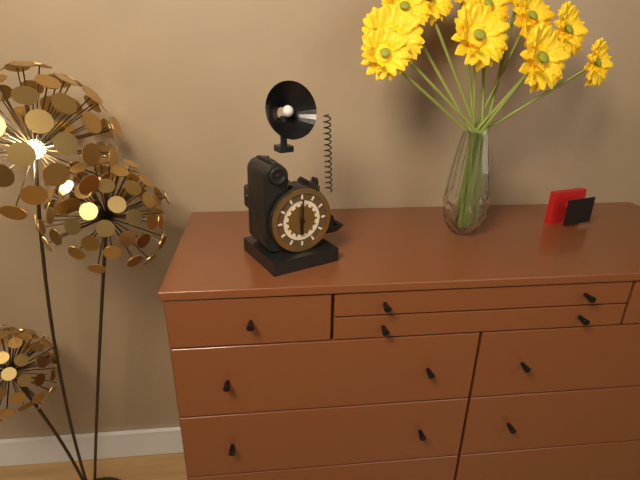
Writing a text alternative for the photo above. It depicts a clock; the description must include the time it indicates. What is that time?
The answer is 6:00
